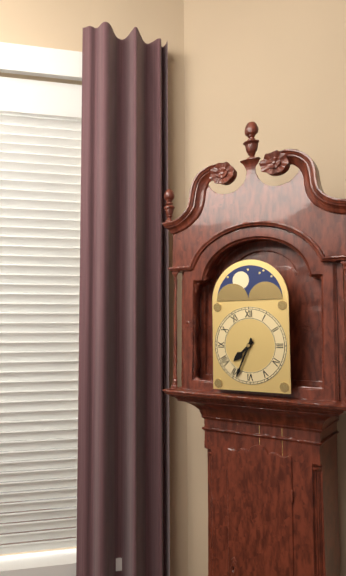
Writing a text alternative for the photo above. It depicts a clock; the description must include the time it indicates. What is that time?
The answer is 7:34
